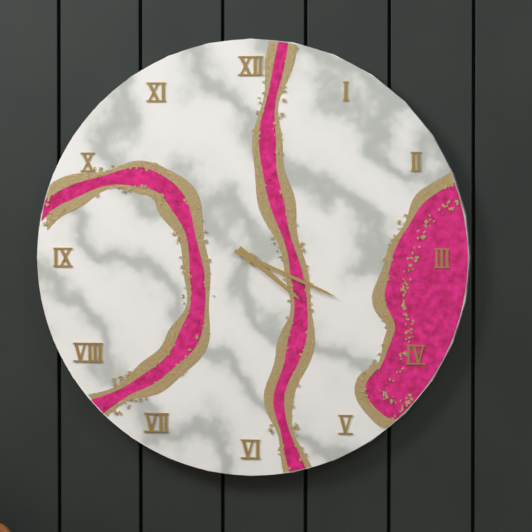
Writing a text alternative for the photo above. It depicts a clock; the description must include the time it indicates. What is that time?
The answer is 4:19
